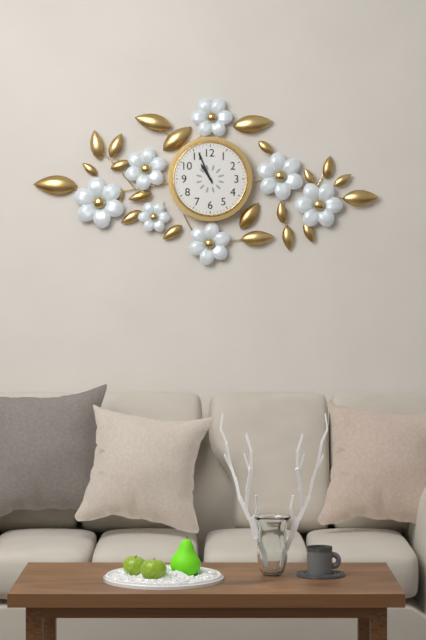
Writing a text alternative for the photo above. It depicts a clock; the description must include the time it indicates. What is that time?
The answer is 10:56
